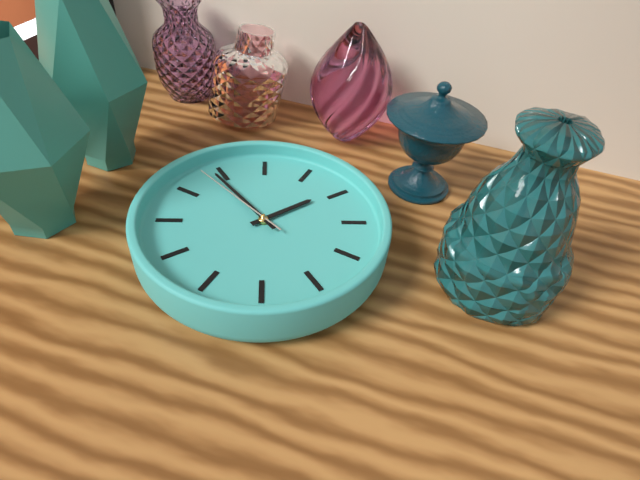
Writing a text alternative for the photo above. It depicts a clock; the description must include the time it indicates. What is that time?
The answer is 1:54:53
